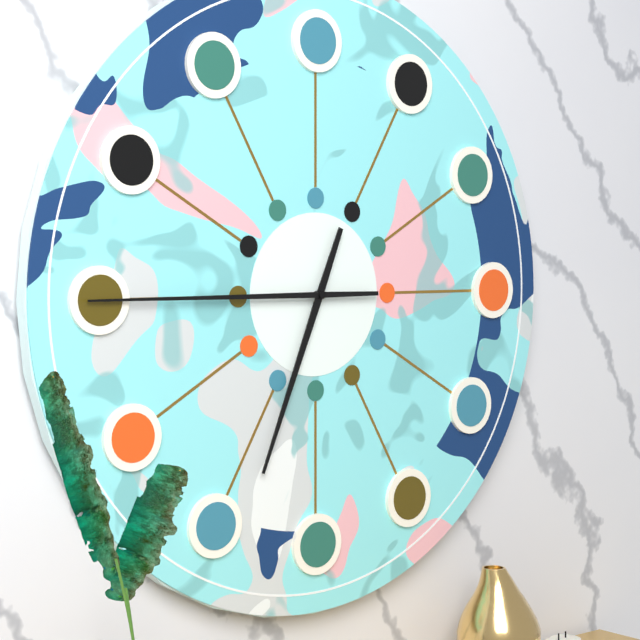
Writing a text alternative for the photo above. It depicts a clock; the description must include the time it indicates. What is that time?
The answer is 6:45
